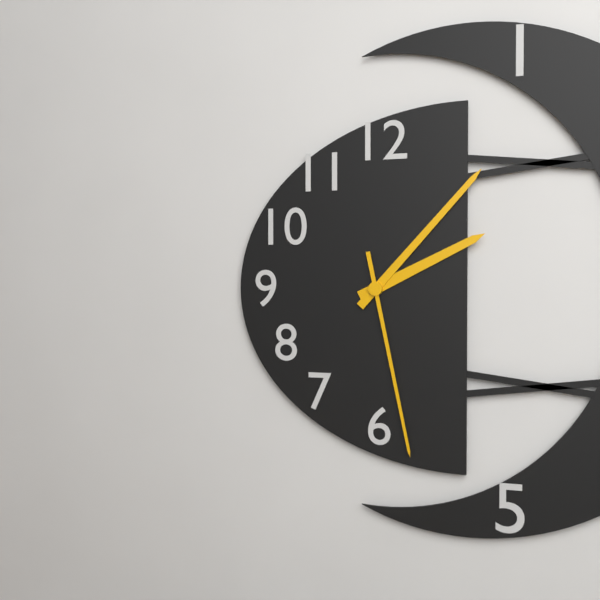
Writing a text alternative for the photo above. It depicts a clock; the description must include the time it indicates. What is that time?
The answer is 2:07:28
